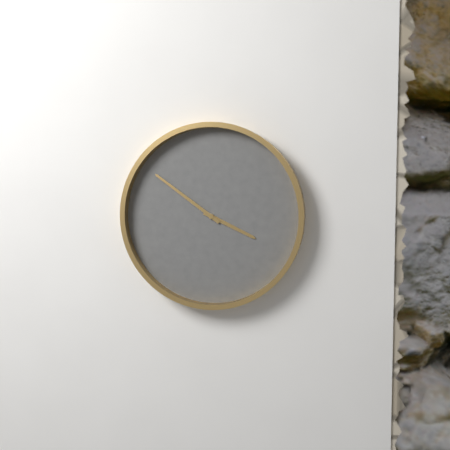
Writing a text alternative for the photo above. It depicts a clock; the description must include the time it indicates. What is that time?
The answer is 3:51
